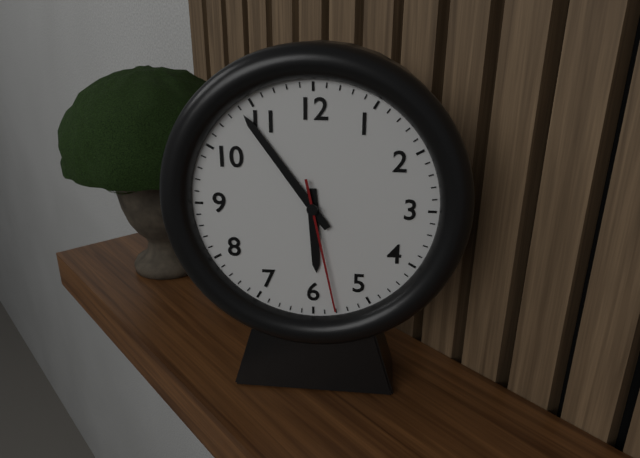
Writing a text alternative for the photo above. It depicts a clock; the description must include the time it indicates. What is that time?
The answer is 5:54:28
